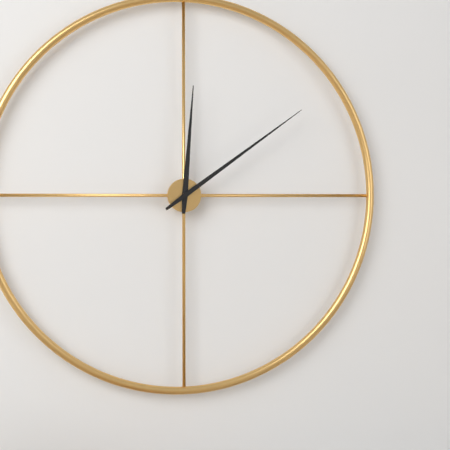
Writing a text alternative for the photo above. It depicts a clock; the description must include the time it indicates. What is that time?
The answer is 12:09
